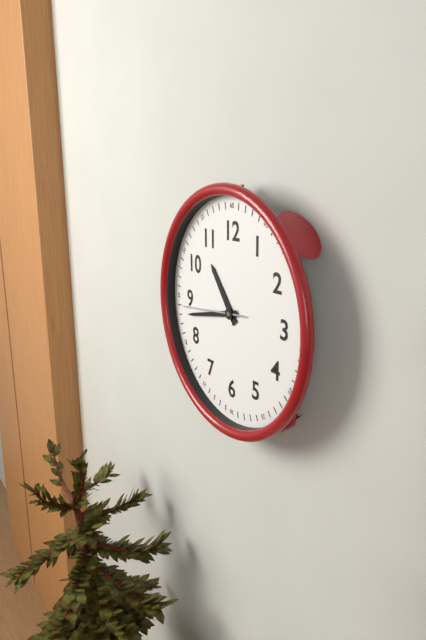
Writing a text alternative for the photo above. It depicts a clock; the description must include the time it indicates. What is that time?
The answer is 10:43:44
